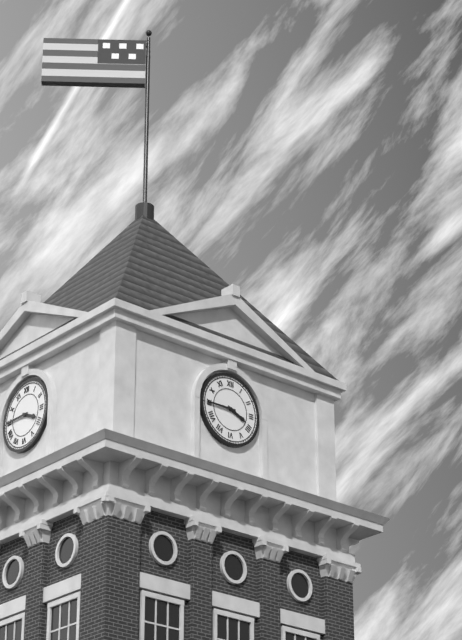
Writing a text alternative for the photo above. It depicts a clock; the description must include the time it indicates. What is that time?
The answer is 3:45
